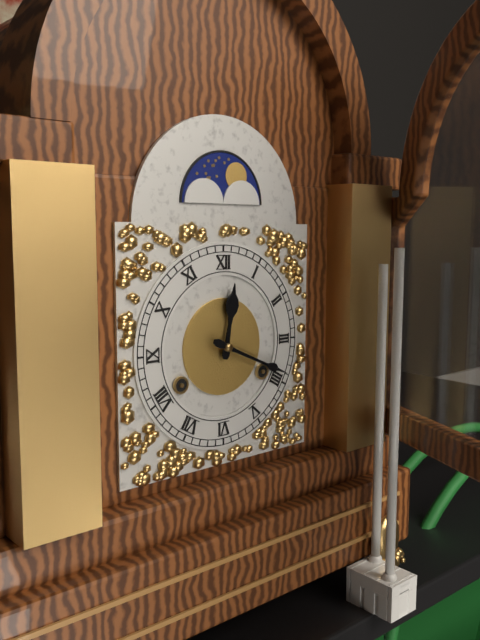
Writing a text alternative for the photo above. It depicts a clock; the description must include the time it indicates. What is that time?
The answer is 12:19
